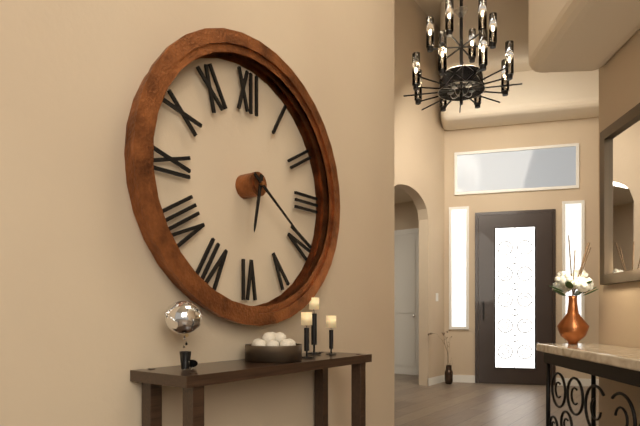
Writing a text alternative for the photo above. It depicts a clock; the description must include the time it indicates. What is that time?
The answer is 6:21
